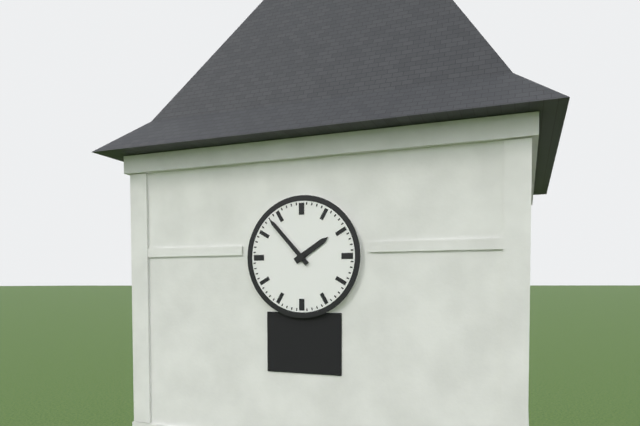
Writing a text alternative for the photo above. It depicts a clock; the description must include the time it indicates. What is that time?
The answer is 1:53
